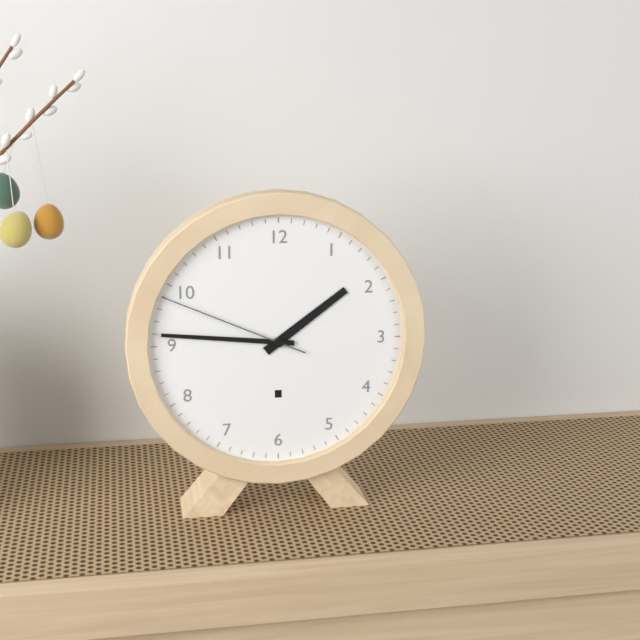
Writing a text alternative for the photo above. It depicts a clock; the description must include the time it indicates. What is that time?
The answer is 1:46:49
